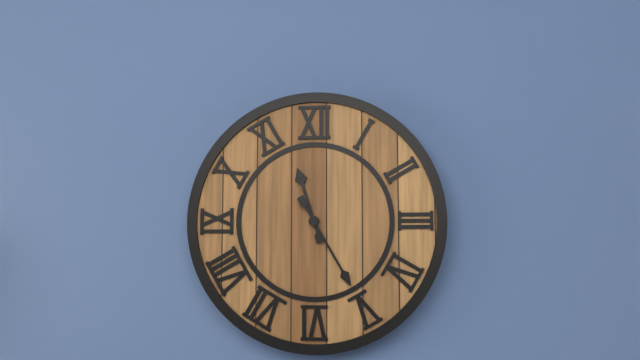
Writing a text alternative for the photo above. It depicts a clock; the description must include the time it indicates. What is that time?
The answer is 11:25
